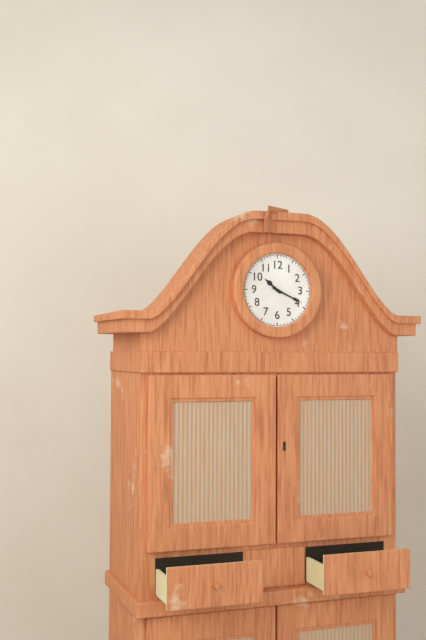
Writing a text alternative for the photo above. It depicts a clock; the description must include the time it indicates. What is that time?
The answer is 10:19
